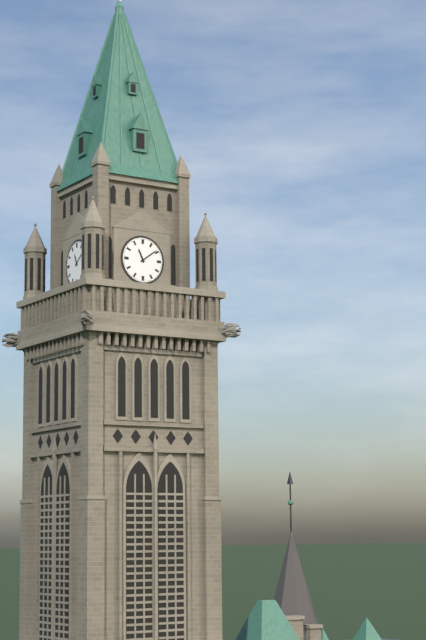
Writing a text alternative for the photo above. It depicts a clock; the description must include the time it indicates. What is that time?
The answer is 11:09
